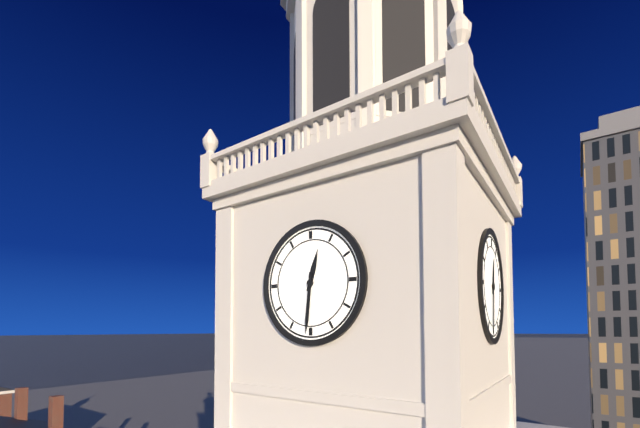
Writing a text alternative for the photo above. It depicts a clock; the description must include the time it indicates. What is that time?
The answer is 12:31
